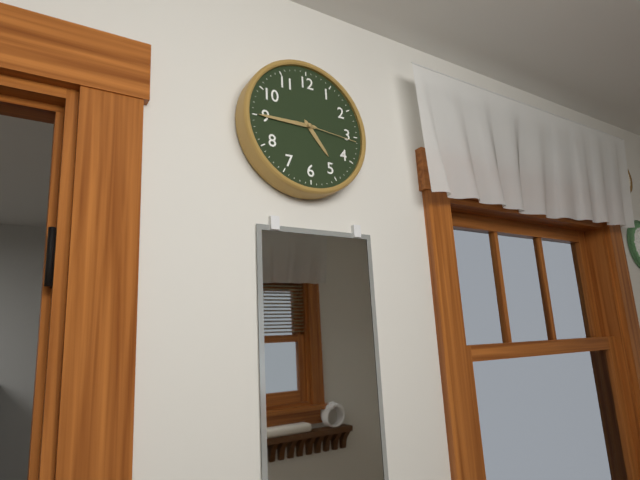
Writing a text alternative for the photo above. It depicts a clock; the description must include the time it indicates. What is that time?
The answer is 4:45:16
